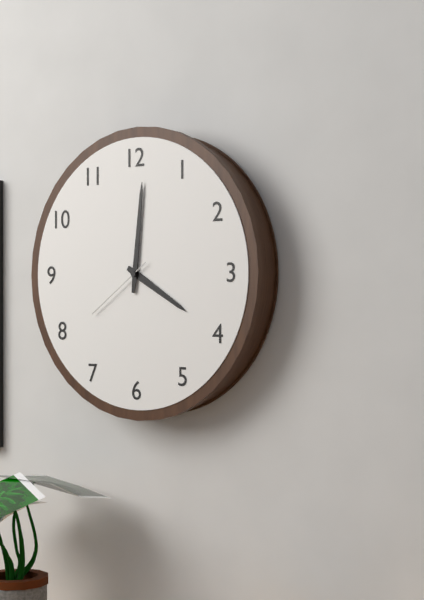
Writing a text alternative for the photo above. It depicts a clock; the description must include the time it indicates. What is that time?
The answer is 4:01:39
